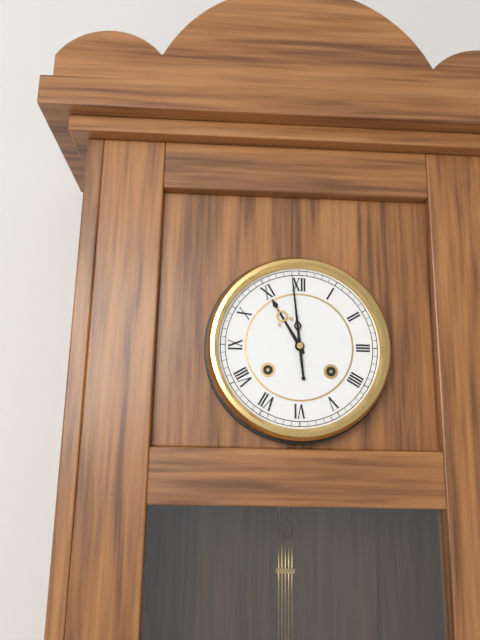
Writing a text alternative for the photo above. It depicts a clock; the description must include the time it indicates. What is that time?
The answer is 10:59
